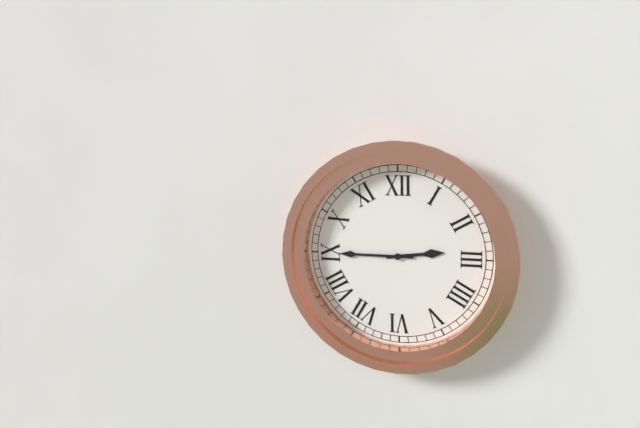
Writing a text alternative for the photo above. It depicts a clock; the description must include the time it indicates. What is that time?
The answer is 2:45
